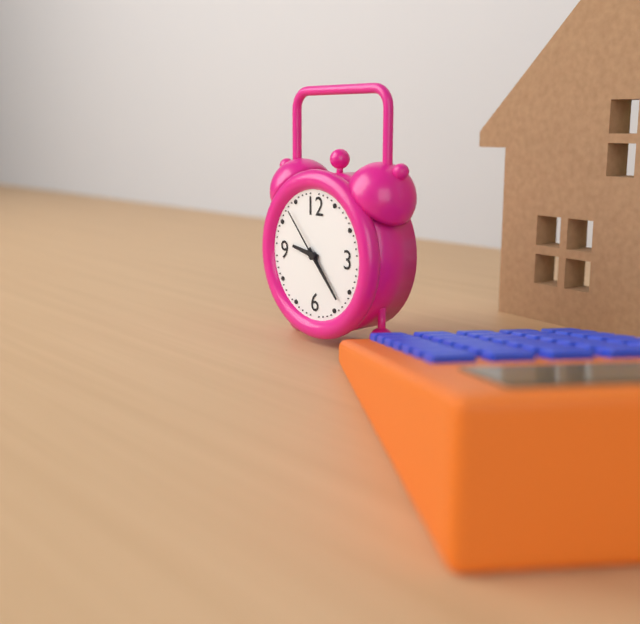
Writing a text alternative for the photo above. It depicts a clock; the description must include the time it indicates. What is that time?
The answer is 9:23:53
